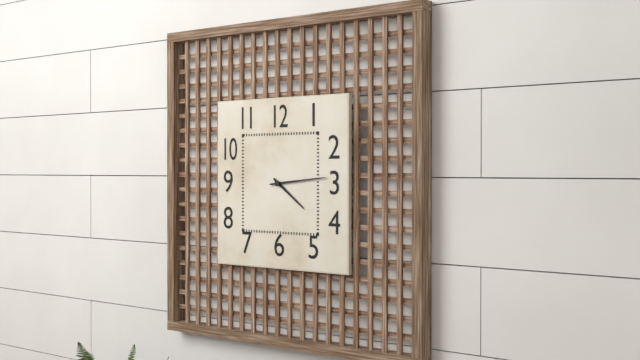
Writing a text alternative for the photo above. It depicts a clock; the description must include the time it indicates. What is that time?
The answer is 4:14
